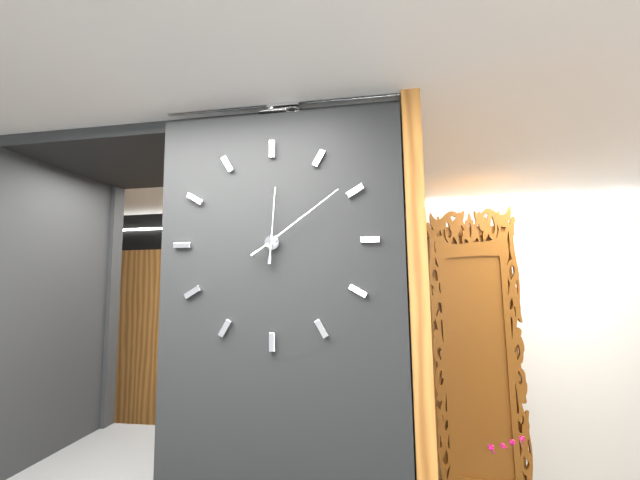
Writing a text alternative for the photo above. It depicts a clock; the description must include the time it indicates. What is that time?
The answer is 12:09
